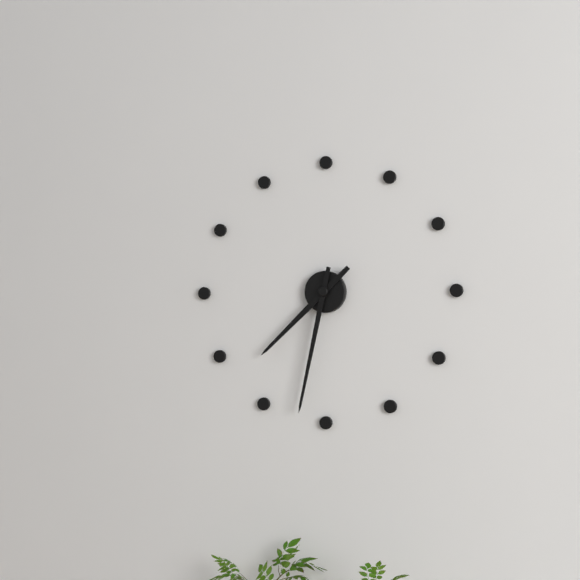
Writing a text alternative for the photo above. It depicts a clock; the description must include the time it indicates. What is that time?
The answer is 7:32
